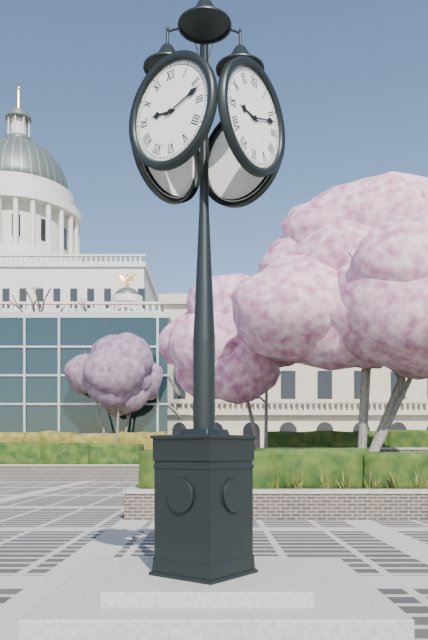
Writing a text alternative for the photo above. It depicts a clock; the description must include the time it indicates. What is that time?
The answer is 9:12
